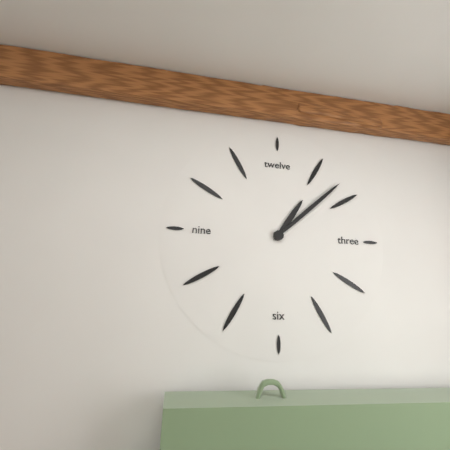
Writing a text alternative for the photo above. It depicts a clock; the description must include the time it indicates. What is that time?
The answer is 1:08
